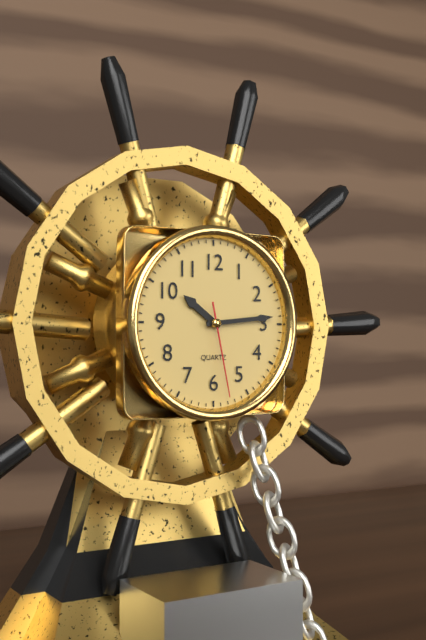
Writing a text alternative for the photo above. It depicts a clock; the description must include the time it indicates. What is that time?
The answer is 10:14:28
